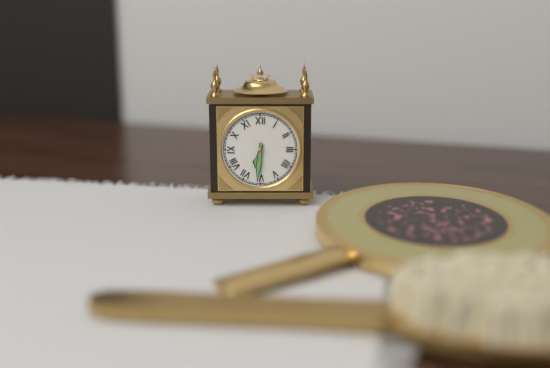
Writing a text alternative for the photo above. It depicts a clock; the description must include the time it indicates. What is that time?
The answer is 6:31
